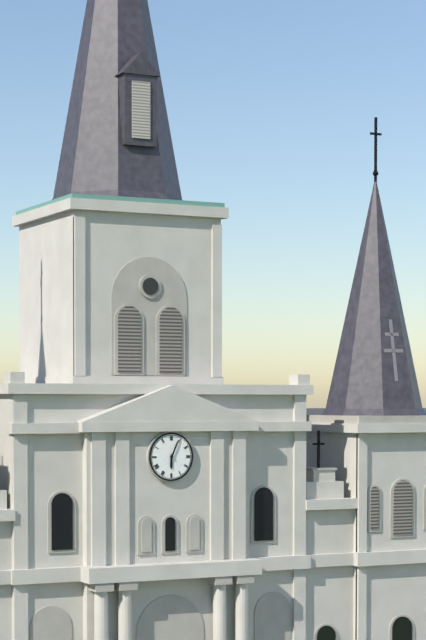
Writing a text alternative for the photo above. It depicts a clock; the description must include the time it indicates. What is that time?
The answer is 6:04
